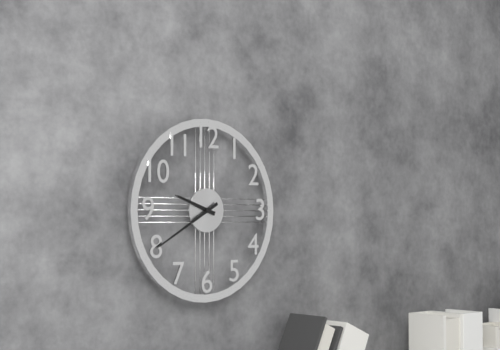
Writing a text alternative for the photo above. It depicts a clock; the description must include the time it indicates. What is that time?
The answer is 9:40
